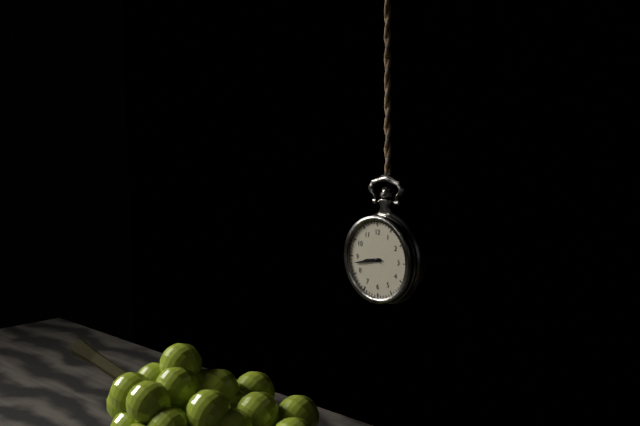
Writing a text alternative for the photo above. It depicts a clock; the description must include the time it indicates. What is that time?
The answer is 8:43
